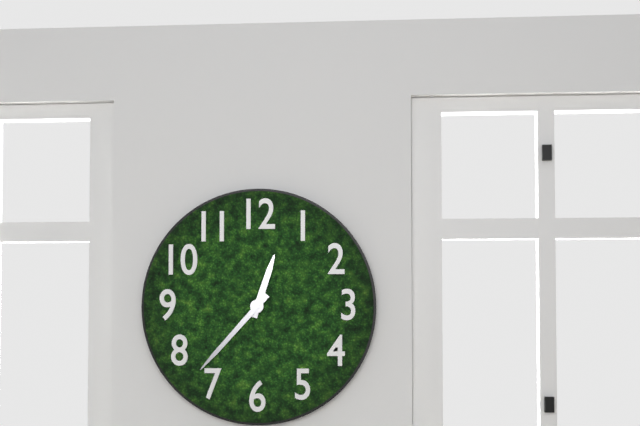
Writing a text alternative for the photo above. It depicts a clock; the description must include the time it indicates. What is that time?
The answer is 12:37
